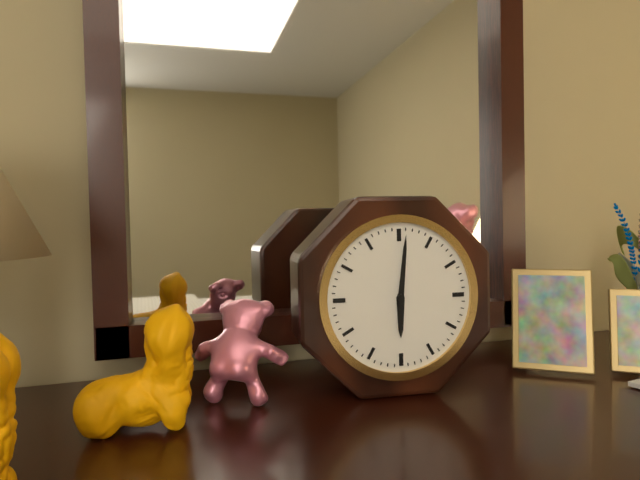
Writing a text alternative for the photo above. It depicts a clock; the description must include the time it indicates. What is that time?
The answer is 6:01
